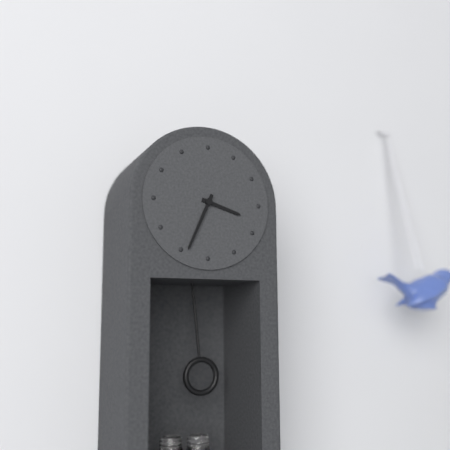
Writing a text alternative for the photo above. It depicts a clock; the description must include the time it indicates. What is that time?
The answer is 3:34
